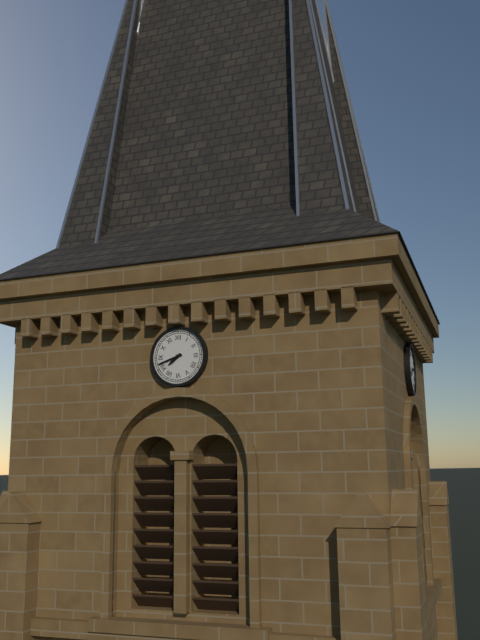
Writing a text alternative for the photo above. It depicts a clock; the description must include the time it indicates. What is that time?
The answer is 7:42
